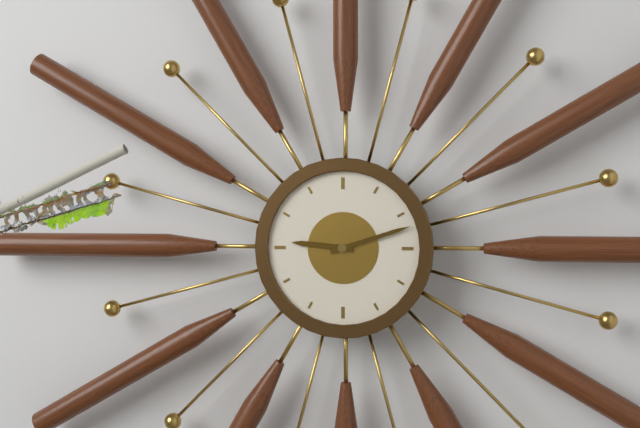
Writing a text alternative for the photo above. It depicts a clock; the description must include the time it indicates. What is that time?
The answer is 9:12
